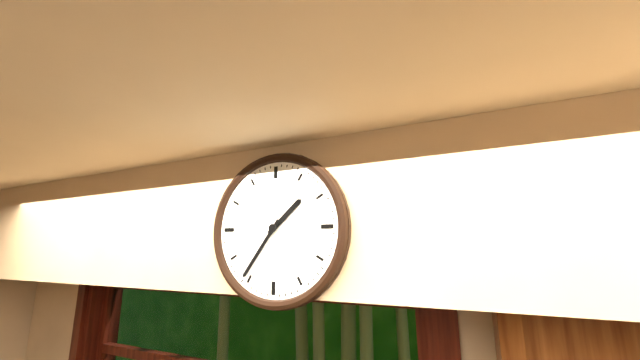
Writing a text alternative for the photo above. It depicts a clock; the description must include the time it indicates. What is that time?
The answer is 1:36
